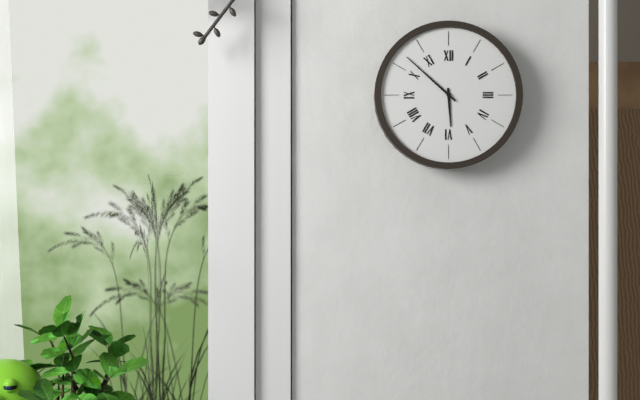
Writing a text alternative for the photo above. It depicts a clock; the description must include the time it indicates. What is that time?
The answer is 5:52
